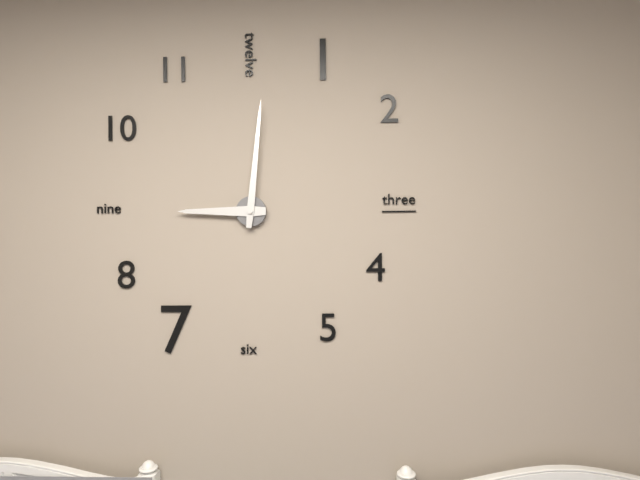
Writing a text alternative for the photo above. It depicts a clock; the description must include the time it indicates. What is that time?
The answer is 9:01
